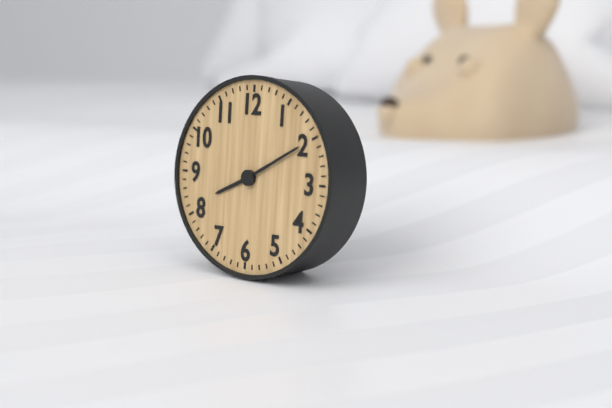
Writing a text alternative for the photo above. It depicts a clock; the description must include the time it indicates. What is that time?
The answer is 8:10
